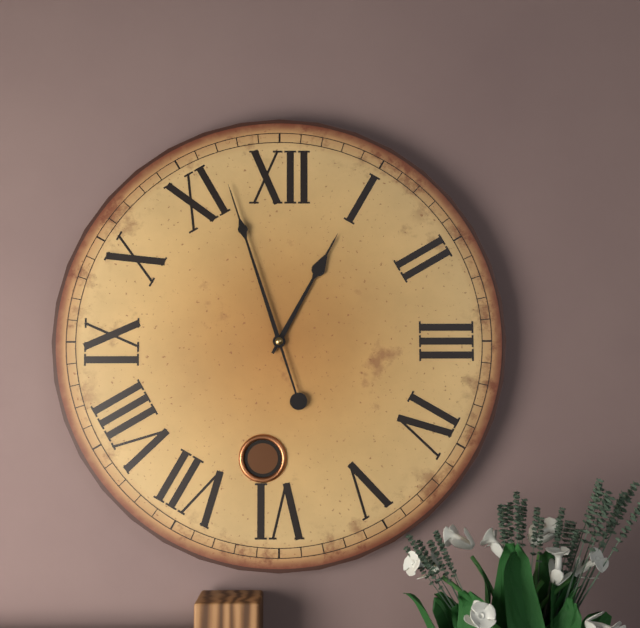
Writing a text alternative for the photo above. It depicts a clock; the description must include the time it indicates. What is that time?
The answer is 12:57
